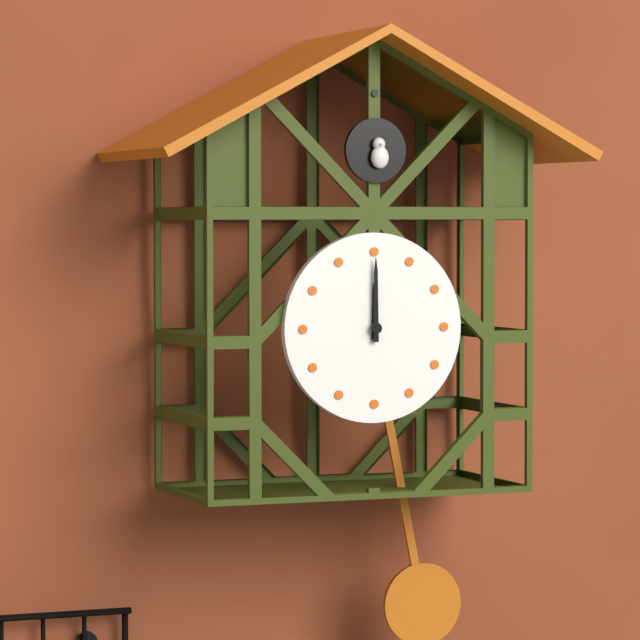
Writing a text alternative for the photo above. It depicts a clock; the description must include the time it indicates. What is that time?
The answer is 12:00
